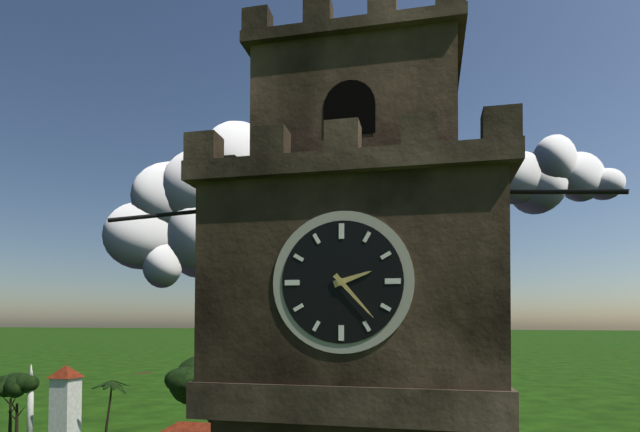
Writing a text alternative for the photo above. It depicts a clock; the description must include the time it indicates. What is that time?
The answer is 2:23
